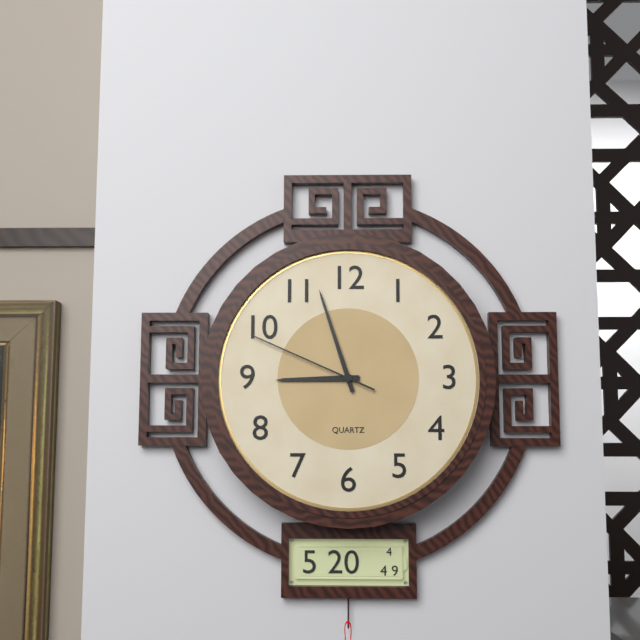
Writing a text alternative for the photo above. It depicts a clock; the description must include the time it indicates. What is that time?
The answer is 8:57:49
